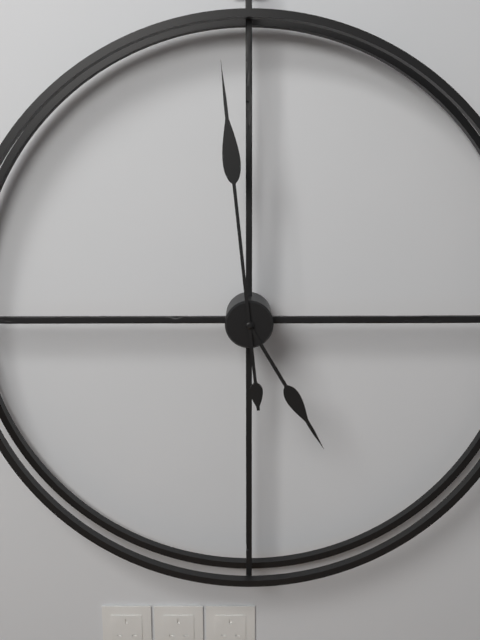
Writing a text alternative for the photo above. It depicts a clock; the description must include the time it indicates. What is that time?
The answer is 4:59
